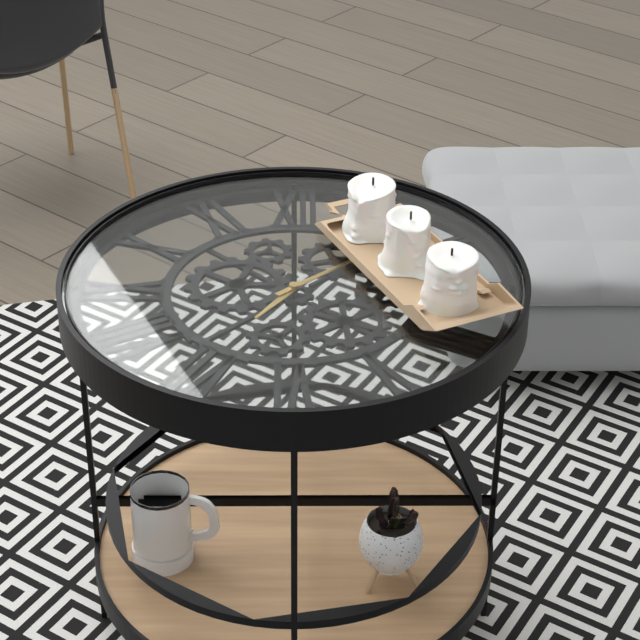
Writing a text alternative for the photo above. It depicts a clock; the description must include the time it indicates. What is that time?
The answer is 7:08
